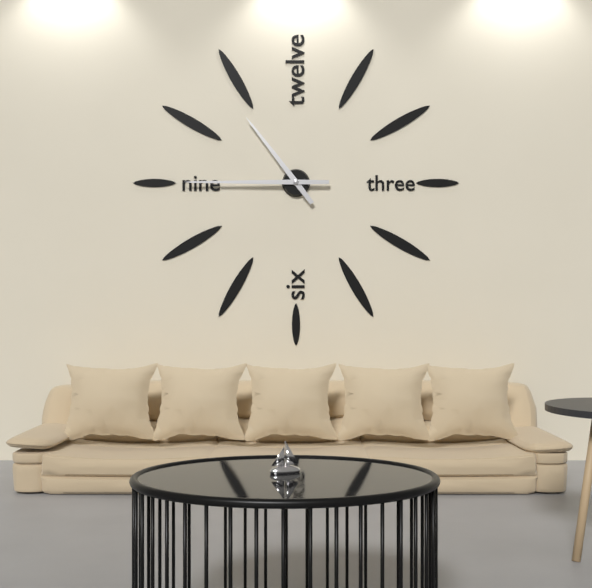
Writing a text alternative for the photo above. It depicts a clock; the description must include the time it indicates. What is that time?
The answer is 10:45
